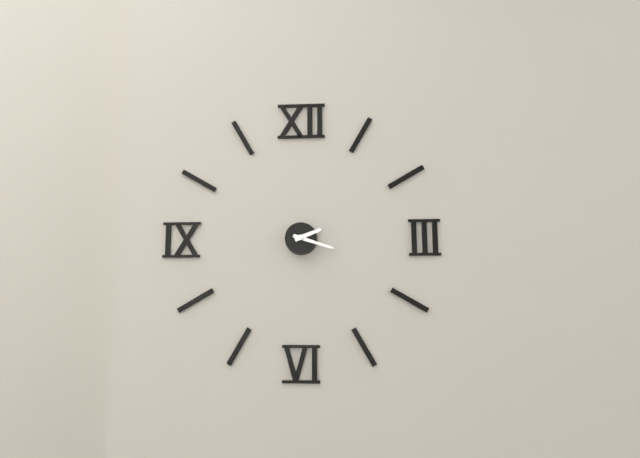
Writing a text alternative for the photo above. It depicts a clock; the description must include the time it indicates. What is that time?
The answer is 2:18
